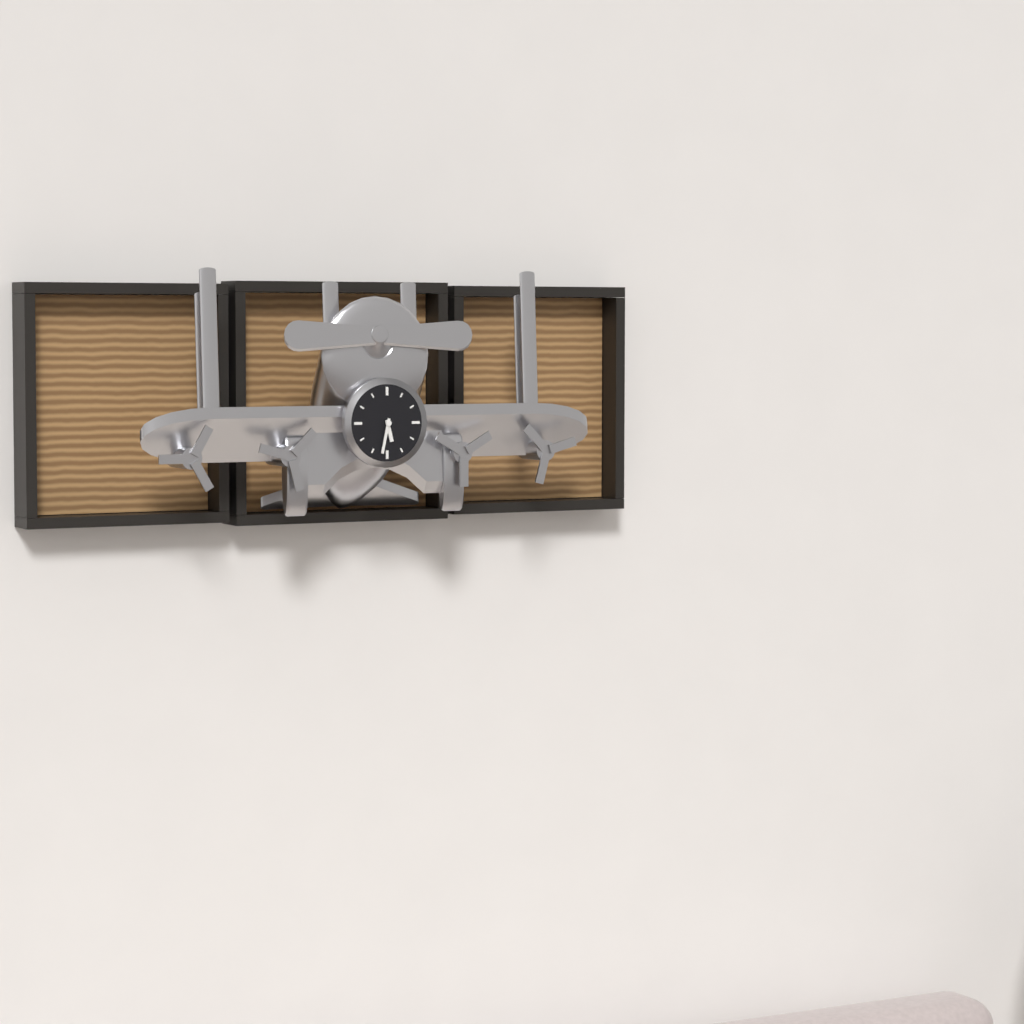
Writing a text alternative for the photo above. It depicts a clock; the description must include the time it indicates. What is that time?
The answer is 5:32
